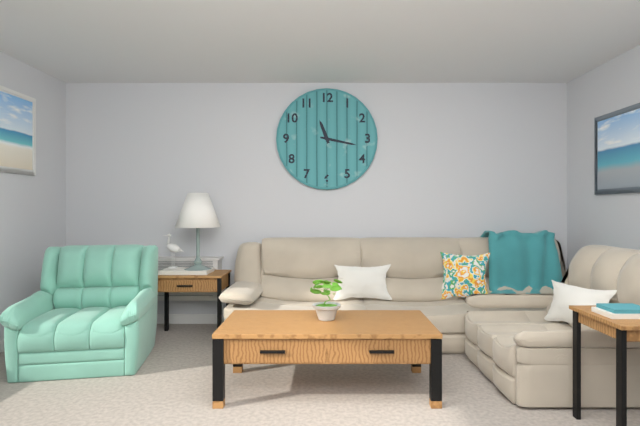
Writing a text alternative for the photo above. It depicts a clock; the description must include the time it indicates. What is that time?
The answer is 11:17
